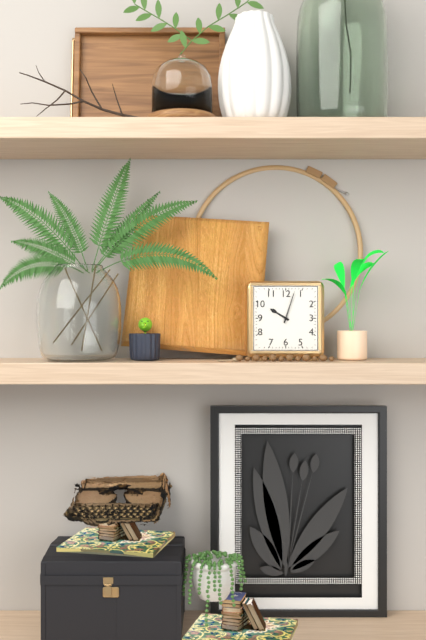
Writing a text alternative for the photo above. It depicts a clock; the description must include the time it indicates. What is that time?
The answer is 10:03
